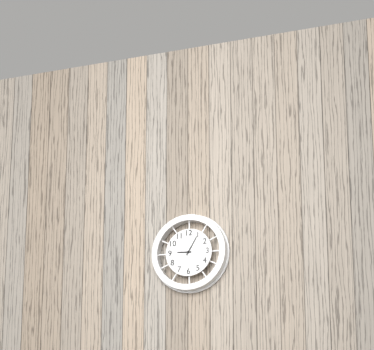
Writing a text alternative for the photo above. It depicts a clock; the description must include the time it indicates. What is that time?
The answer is 9:05
